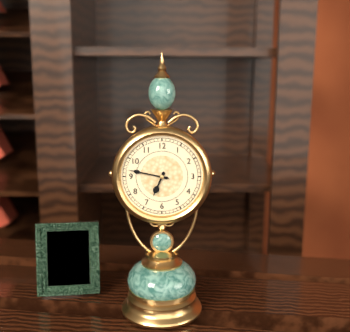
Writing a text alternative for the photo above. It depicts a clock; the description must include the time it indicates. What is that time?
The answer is 6:47
